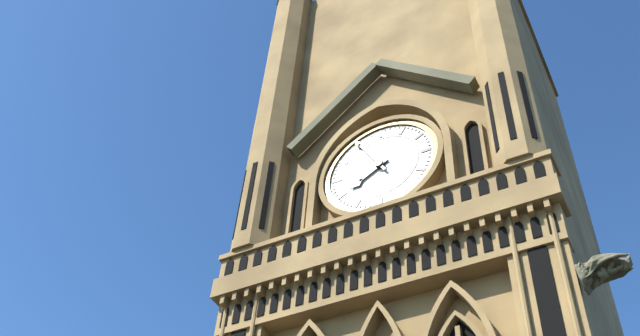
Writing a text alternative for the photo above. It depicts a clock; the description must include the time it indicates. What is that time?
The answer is 7:55
